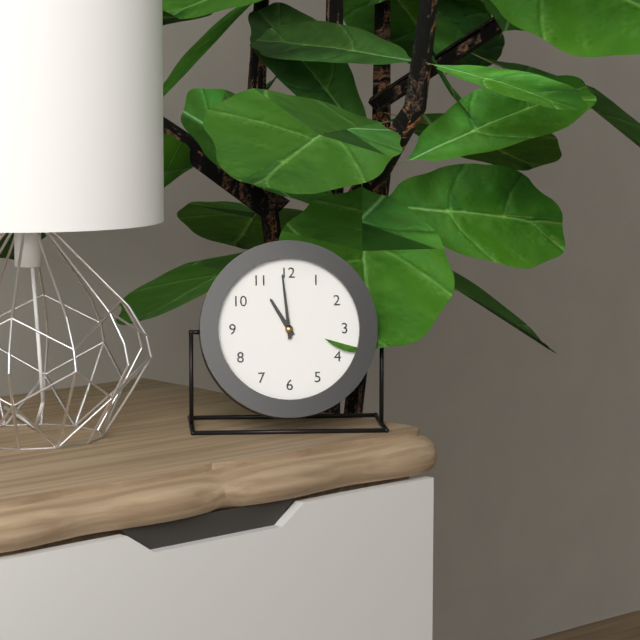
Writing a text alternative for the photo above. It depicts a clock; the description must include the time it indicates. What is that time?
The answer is 10:59
